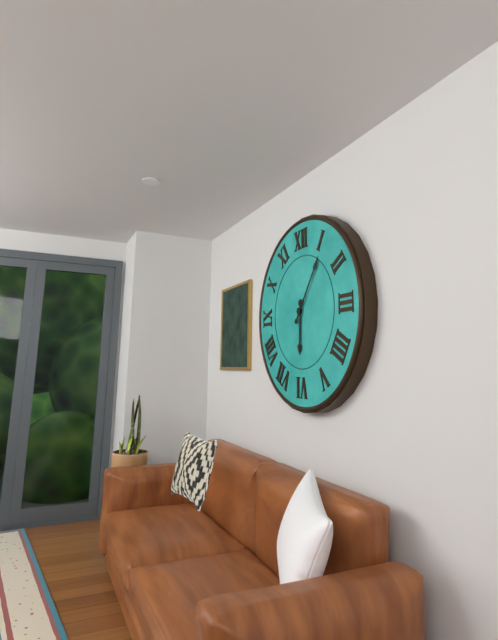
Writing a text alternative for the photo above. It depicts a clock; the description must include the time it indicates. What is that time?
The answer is 6:06
